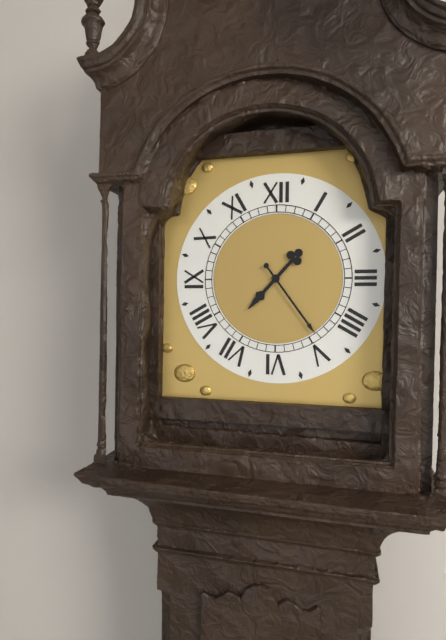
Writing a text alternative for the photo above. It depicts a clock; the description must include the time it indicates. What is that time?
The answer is 7:24
